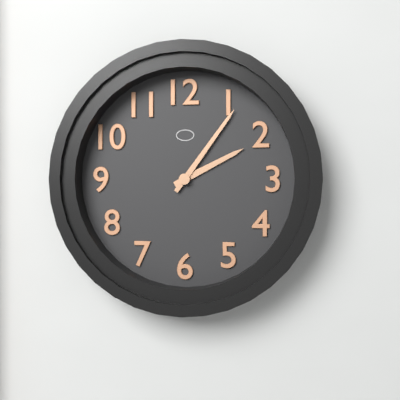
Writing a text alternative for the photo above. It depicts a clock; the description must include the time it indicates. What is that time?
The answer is 2:06
